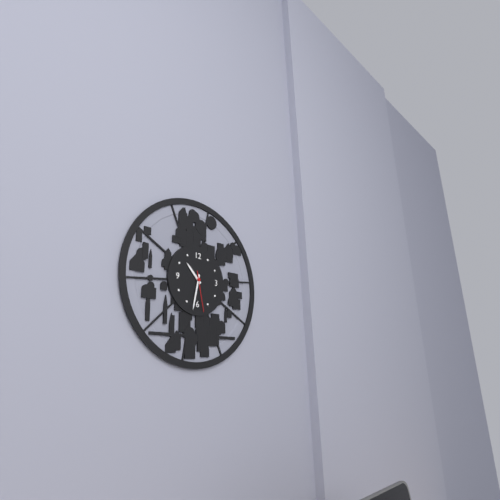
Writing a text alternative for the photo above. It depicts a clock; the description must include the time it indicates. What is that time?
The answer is 10:32
